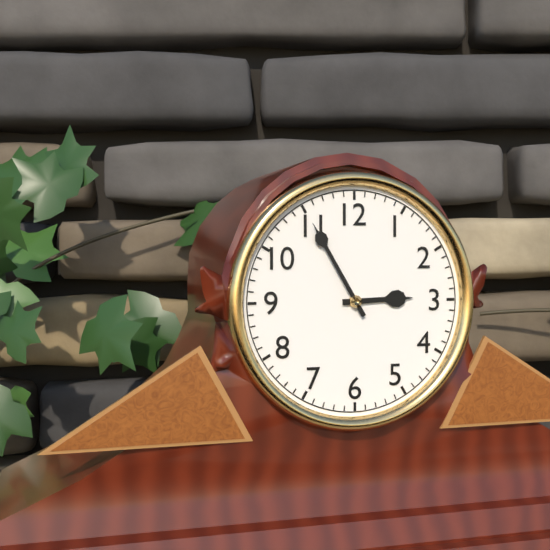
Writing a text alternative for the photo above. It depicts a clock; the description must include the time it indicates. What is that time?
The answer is 2:55
